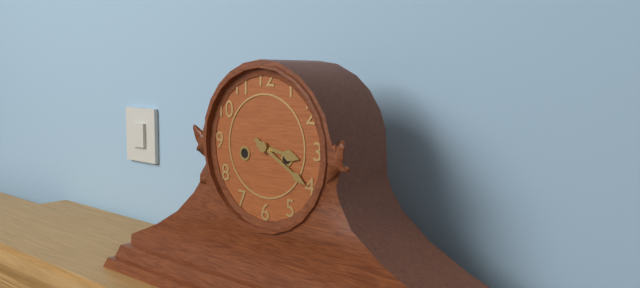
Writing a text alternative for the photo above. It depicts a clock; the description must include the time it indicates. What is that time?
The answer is 3:20
